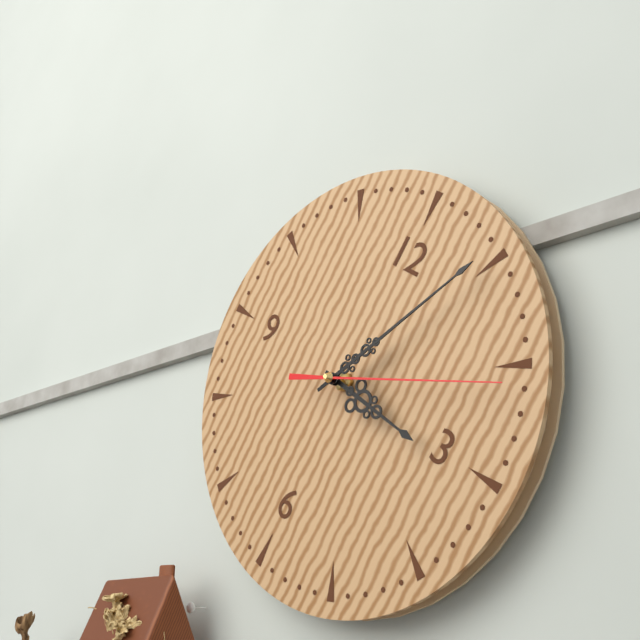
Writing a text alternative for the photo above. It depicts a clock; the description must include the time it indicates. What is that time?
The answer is 3:05:11
